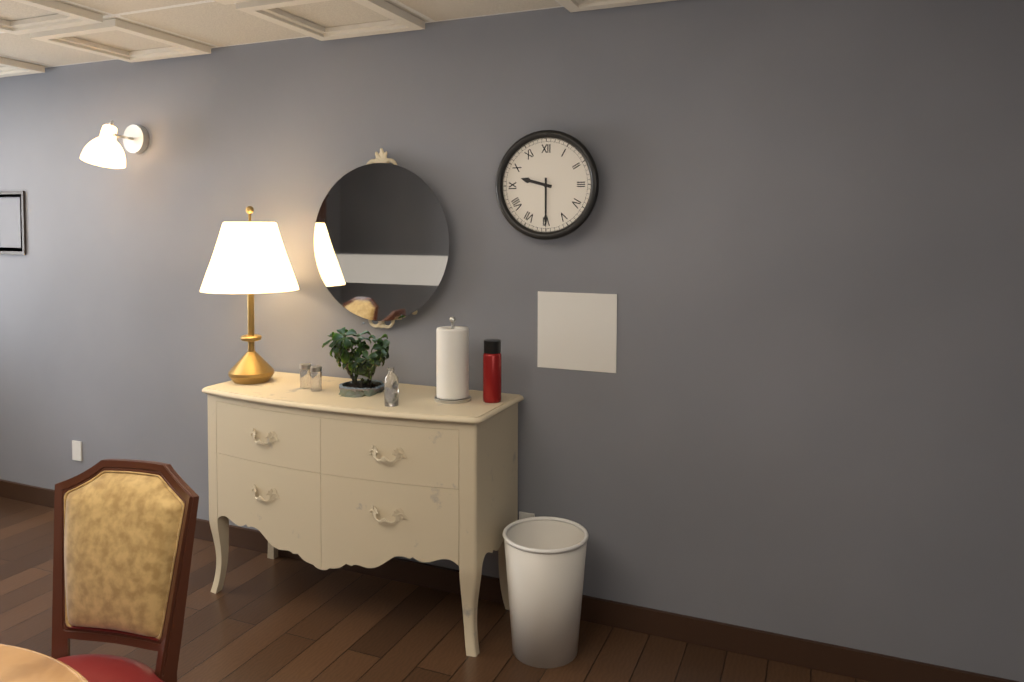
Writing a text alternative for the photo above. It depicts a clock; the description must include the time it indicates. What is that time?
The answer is 9:30
